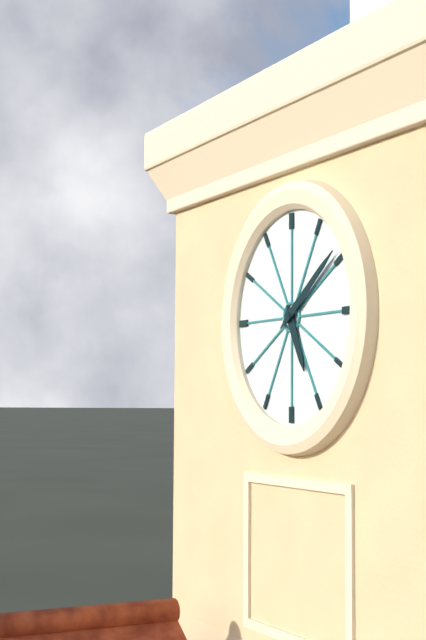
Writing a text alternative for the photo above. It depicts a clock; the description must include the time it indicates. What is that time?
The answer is 5:09
